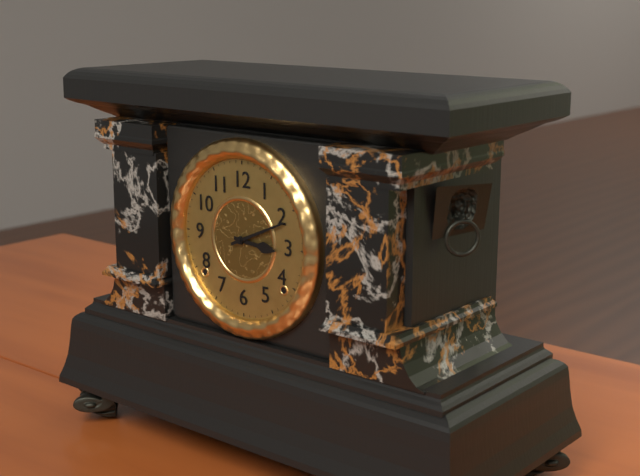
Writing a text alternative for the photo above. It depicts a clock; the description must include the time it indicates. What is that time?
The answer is 3:11
